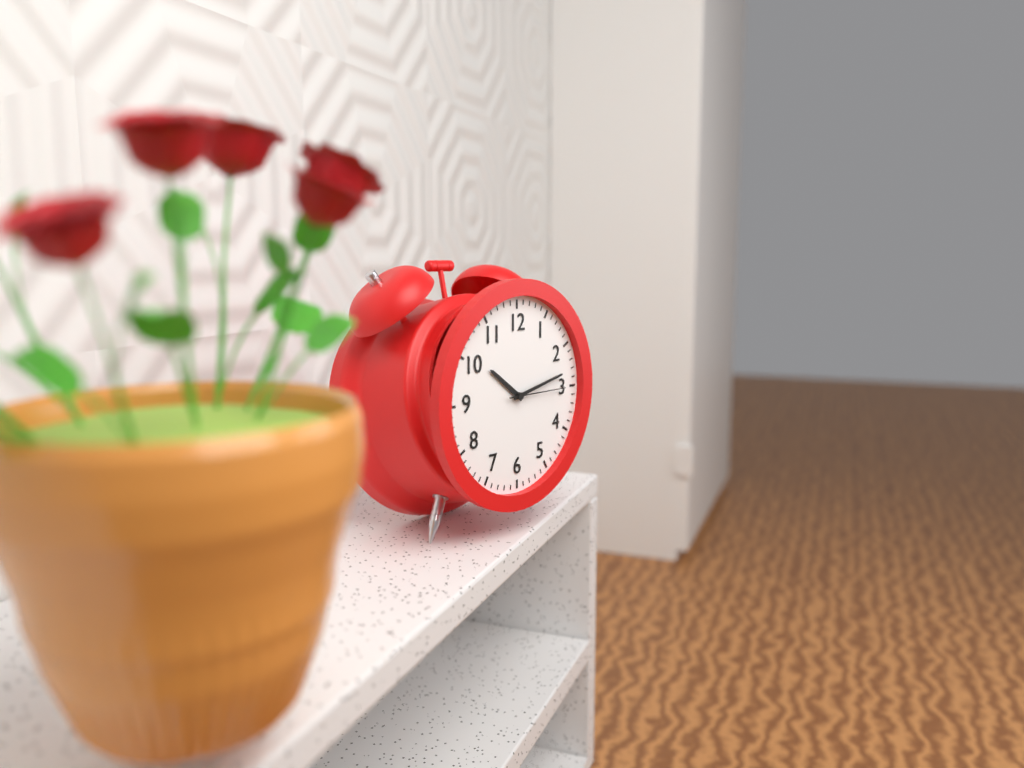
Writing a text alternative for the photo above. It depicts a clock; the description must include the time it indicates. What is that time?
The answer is 10:13:15
